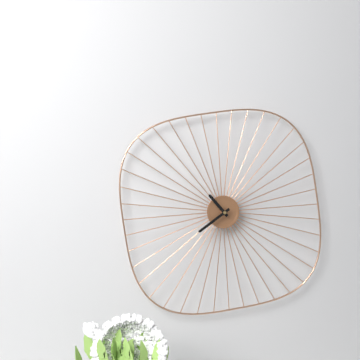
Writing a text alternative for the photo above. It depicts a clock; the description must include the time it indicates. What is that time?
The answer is 10:39
